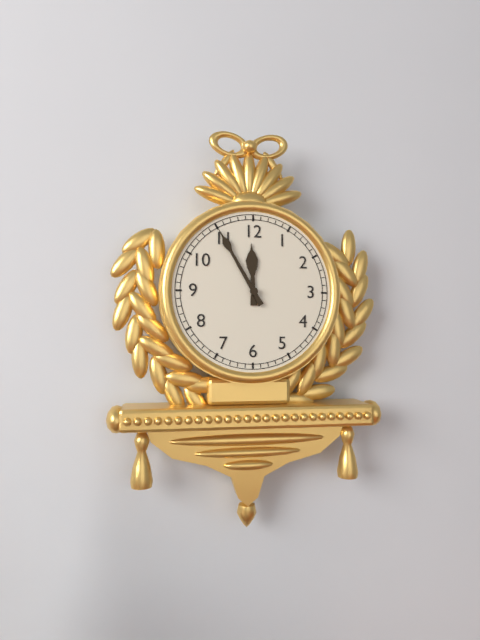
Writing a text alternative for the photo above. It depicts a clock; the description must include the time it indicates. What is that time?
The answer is 11:55
